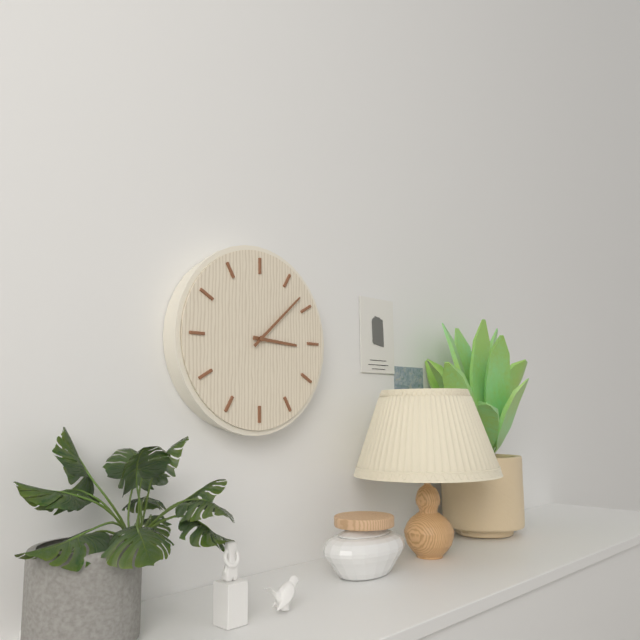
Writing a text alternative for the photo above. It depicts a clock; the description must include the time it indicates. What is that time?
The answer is 3:08
